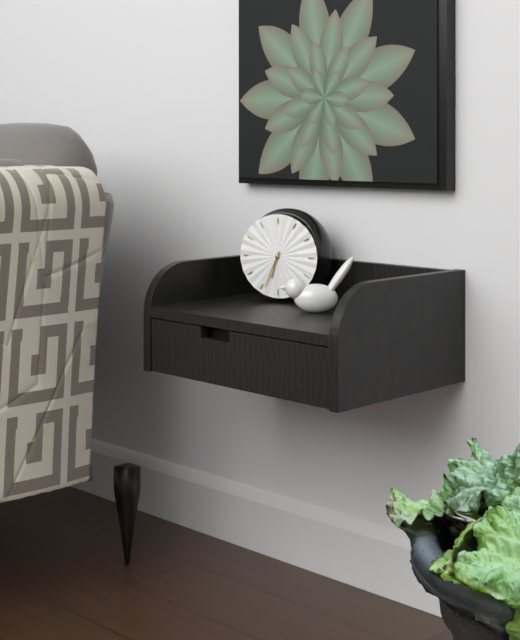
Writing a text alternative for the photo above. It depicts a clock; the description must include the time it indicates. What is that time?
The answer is 6:34
